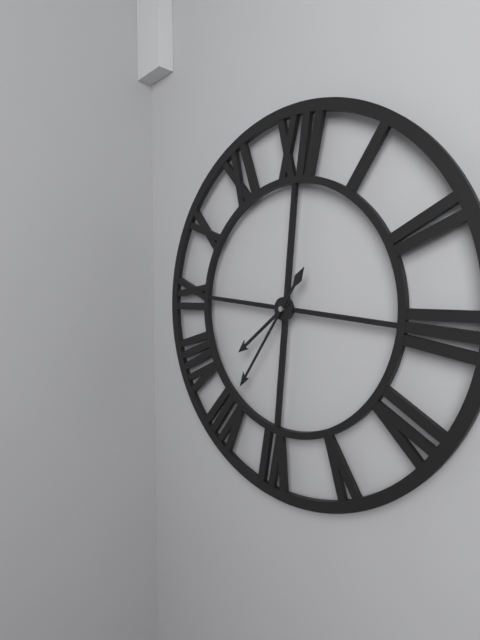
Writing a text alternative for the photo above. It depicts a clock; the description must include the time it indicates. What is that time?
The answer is 7:35
